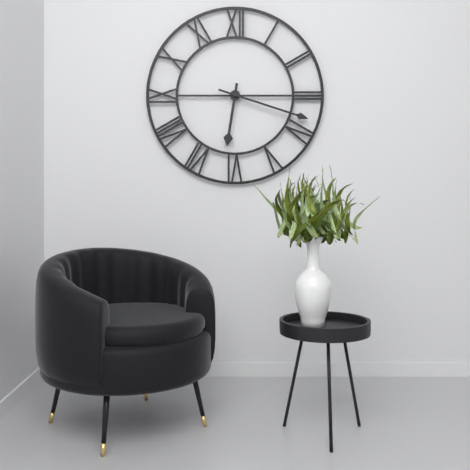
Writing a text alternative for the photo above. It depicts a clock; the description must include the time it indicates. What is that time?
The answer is 6:18
